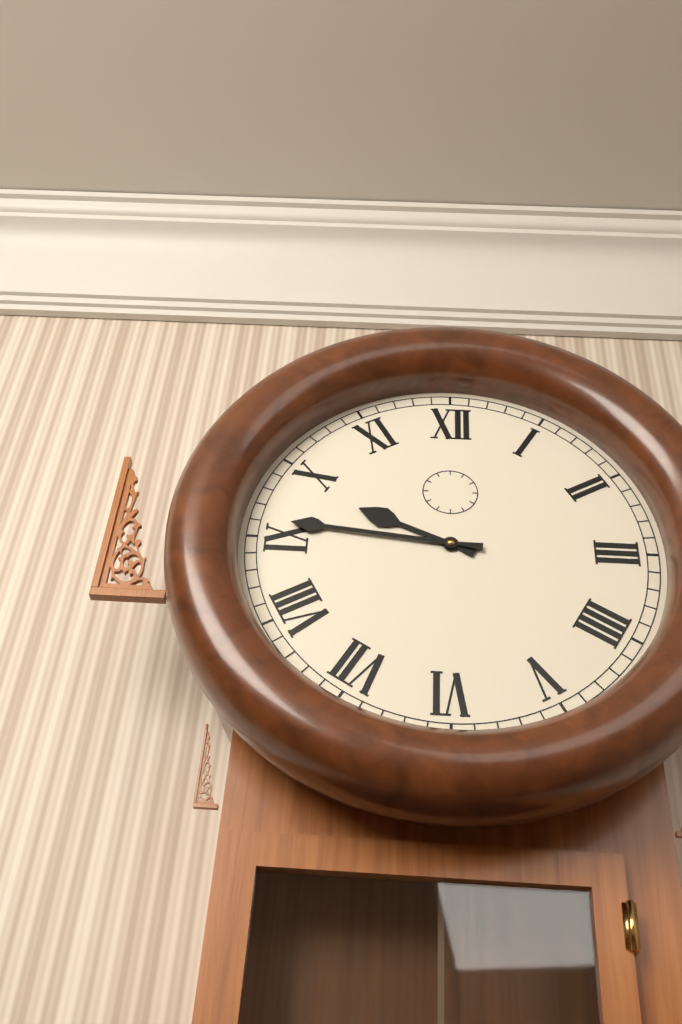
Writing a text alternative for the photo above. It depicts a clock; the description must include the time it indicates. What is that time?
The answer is 9:46
